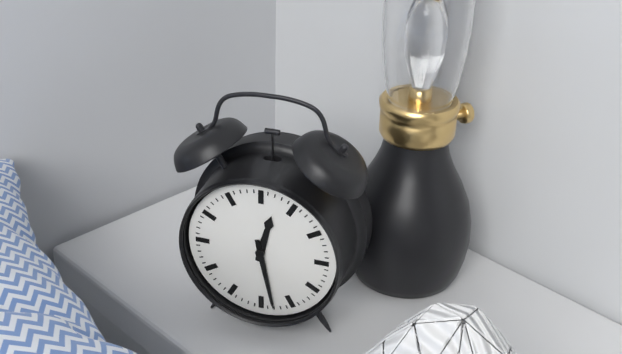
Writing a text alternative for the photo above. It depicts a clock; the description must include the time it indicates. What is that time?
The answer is 12:28
